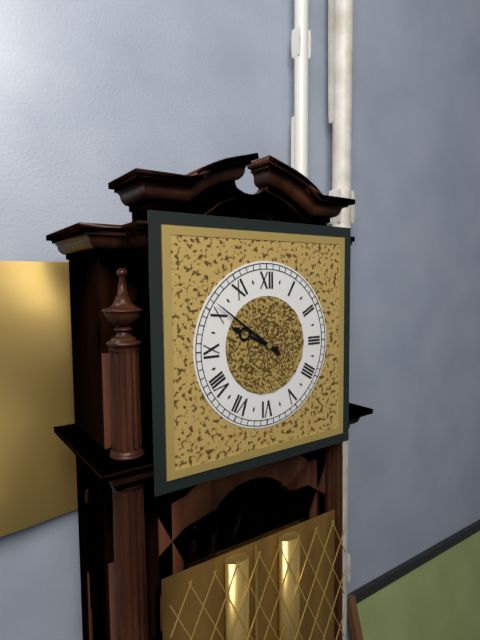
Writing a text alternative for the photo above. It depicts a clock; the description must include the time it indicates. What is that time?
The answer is 9:51
